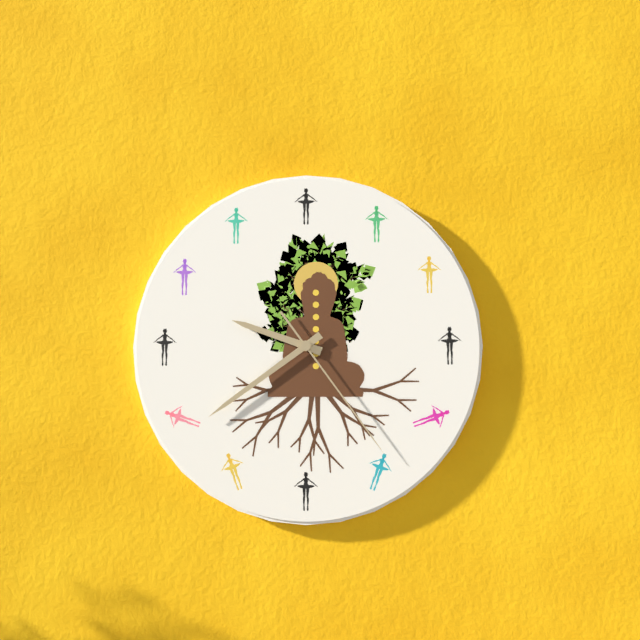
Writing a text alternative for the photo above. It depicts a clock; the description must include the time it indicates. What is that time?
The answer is 9:39:24
